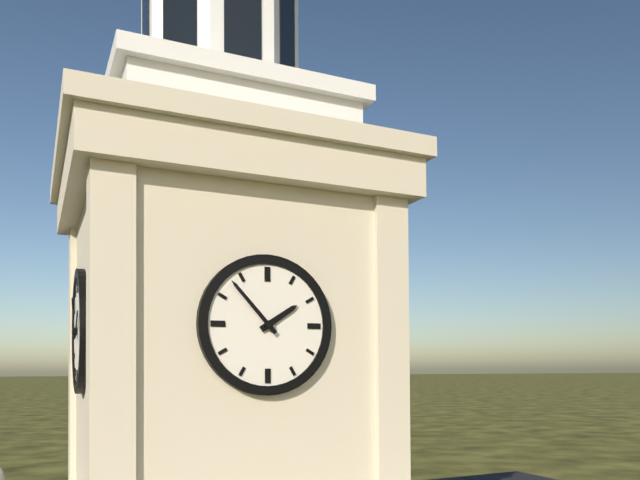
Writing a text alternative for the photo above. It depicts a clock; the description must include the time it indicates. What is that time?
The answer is 1:53
